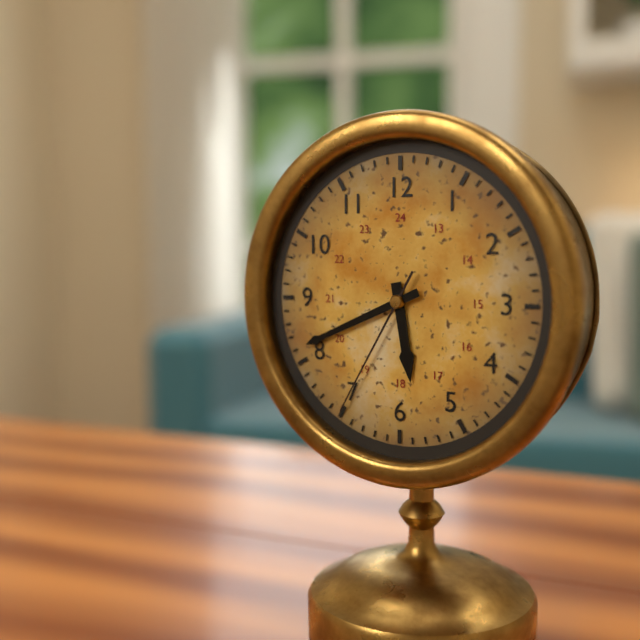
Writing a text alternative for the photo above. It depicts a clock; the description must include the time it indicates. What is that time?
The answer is 5:41:35
